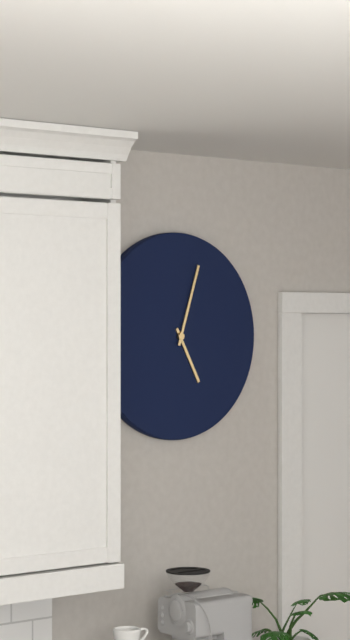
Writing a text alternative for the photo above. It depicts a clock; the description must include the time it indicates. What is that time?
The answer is 5:03
